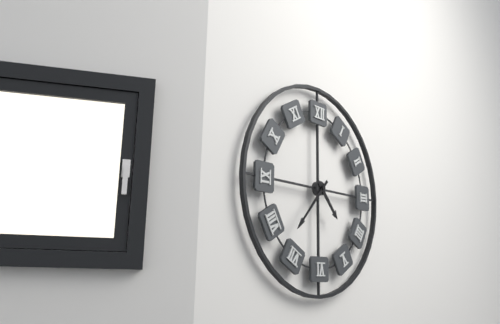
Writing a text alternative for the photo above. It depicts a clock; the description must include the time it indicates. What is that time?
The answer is 4:37
